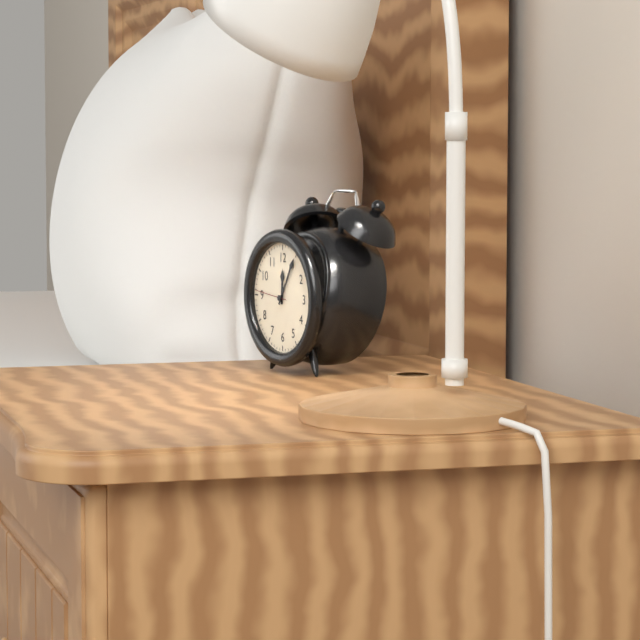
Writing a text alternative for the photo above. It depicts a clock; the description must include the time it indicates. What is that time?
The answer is 12:05
